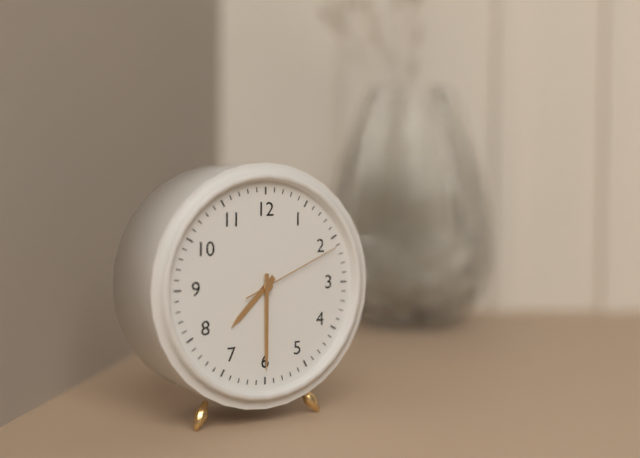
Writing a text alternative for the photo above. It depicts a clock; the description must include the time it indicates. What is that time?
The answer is 7:30:11
